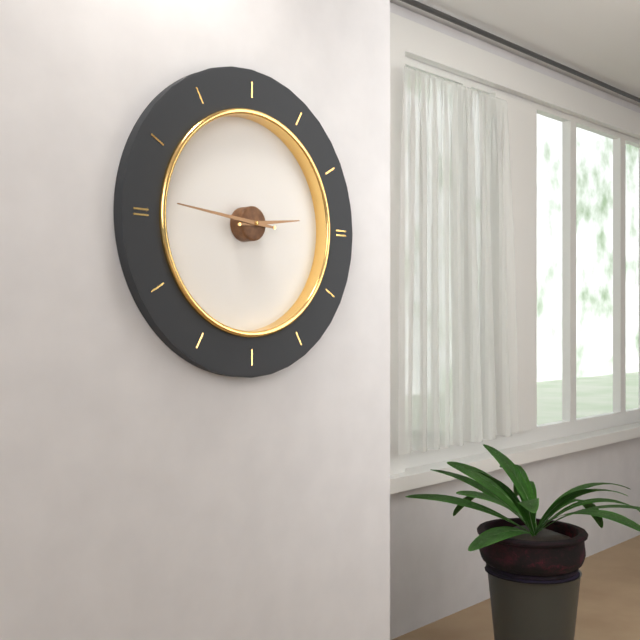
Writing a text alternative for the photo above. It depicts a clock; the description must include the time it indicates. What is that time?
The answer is 2:46
